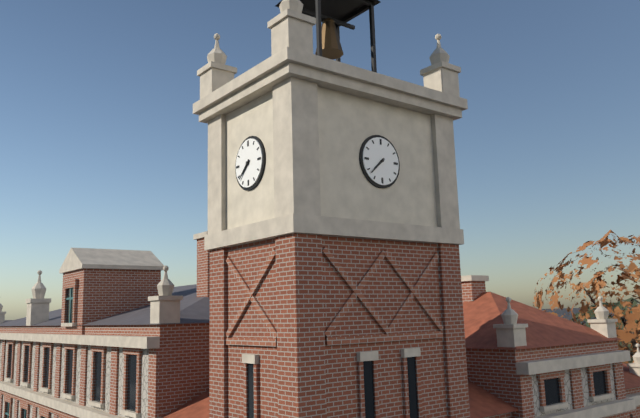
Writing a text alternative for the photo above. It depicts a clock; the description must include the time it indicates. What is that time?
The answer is 7:38
